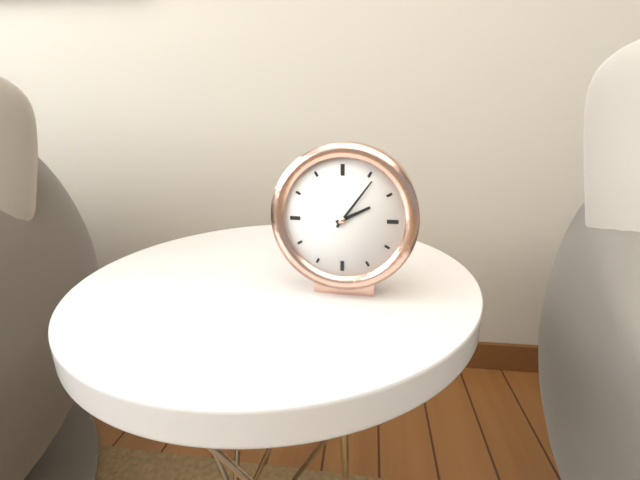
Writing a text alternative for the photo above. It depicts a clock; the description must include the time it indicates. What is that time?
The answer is 2:06
